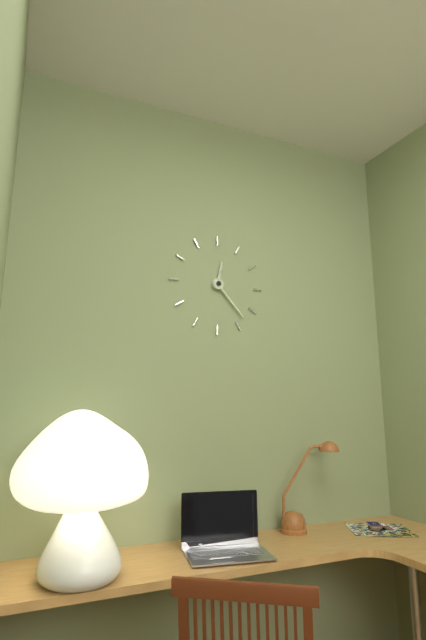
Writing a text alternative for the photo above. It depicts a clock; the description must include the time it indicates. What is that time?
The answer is 12:23
